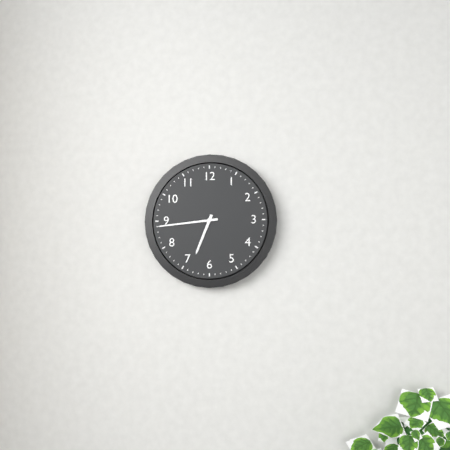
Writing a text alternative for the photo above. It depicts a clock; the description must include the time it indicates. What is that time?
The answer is 6:44
